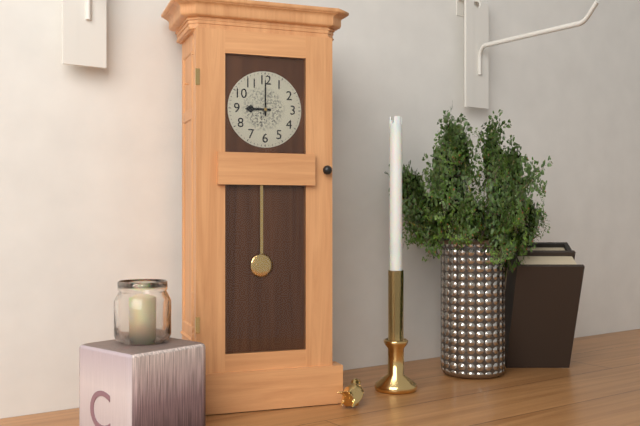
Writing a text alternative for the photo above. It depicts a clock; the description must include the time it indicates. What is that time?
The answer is 9:00
